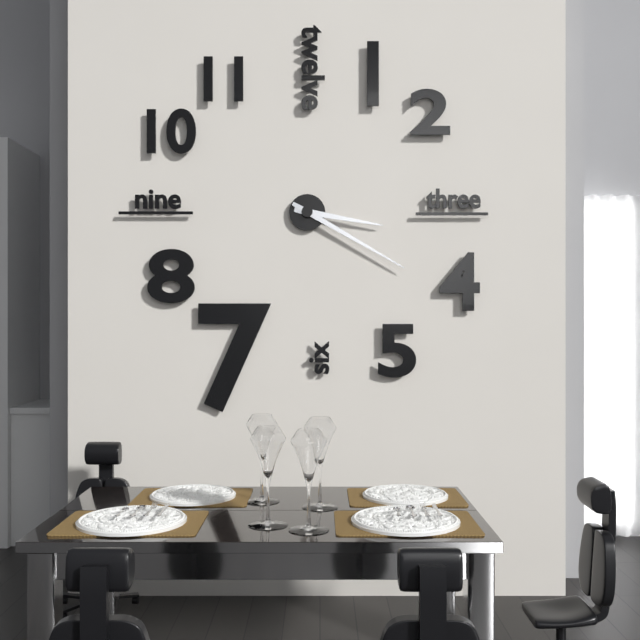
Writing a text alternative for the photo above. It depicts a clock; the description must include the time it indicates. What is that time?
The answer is 3:20
